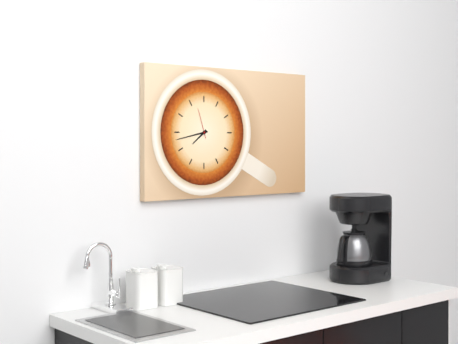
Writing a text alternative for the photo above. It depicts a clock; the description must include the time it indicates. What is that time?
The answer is 7:43
